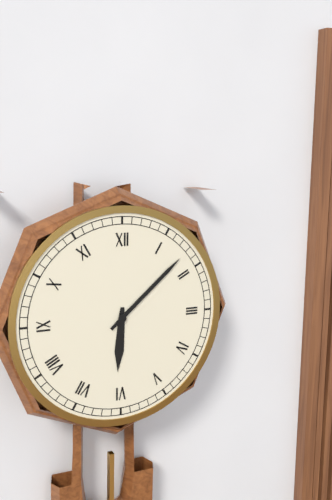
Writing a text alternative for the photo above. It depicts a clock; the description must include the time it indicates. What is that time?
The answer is 6:08
